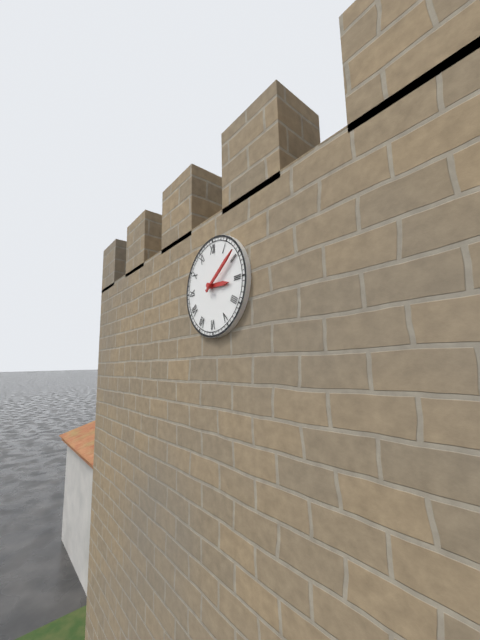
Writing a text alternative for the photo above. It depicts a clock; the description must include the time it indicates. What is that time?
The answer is 3:09
